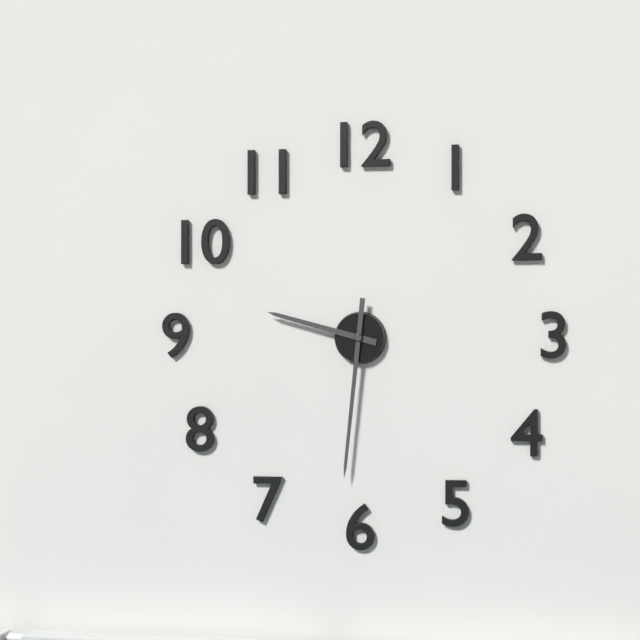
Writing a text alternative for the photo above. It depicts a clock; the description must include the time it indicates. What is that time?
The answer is 9:31
